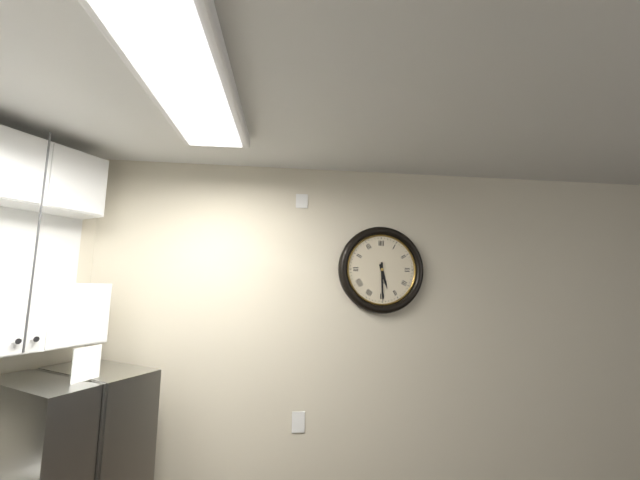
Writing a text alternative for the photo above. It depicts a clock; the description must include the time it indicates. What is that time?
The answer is 5:30
